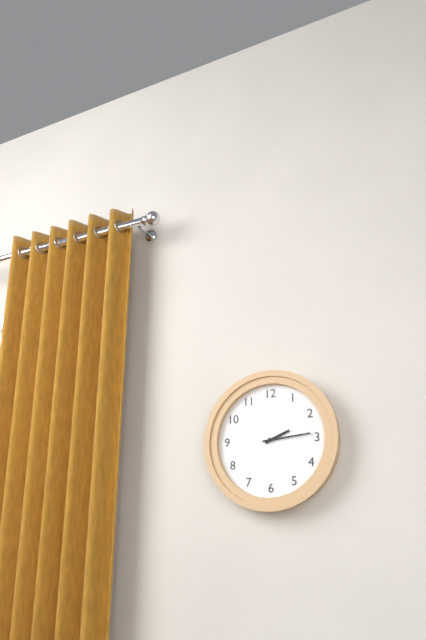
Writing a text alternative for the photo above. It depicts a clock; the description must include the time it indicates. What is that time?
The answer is 2:14
